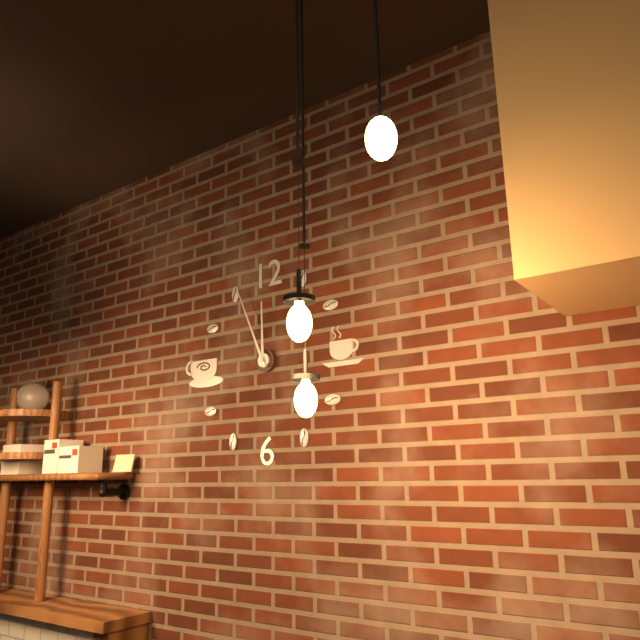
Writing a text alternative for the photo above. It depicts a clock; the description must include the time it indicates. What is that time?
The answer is 11:56
